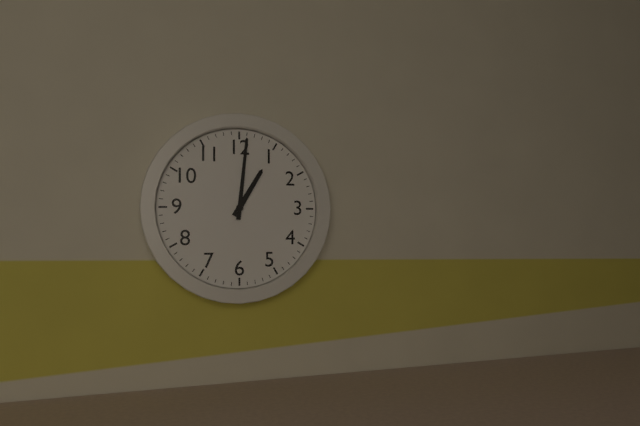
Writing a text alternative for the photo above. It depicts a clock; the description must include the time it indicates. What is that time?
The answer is 1:01
